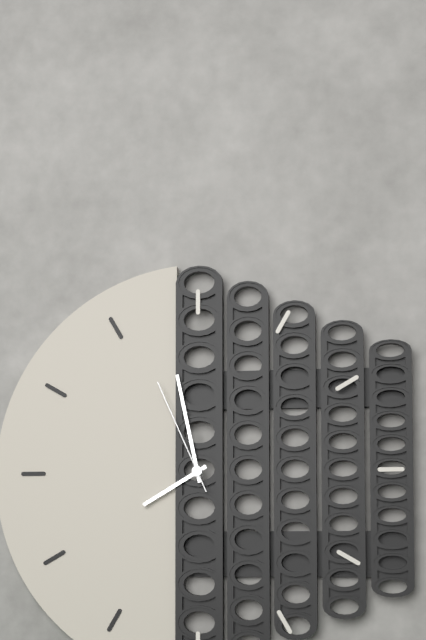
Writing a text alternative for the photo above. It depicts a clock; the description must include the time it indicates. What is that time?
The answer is 7:58:56
